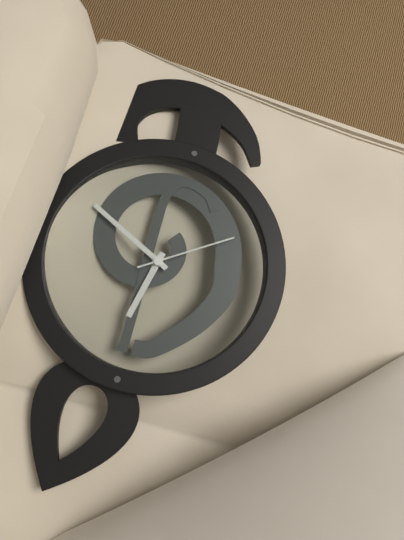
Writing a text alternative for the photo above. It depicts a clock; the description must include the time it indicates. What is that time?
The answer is 12:19:39
